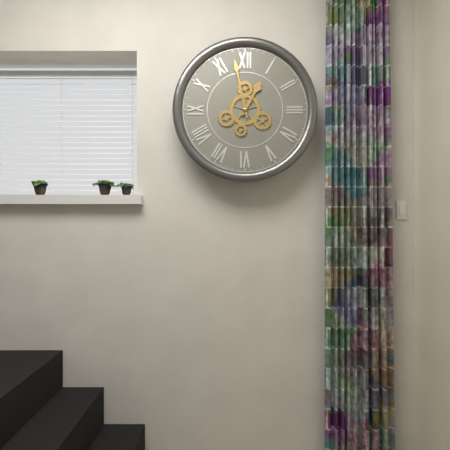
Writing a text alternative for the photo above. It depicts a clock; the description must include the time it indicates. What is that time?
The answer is 12:58
